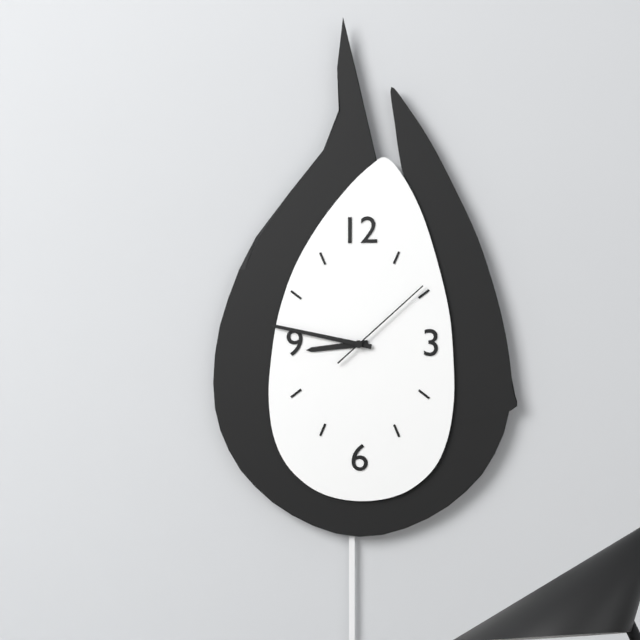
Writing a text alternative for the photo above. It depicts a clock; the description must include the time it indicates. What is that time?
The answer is 8:47:08
